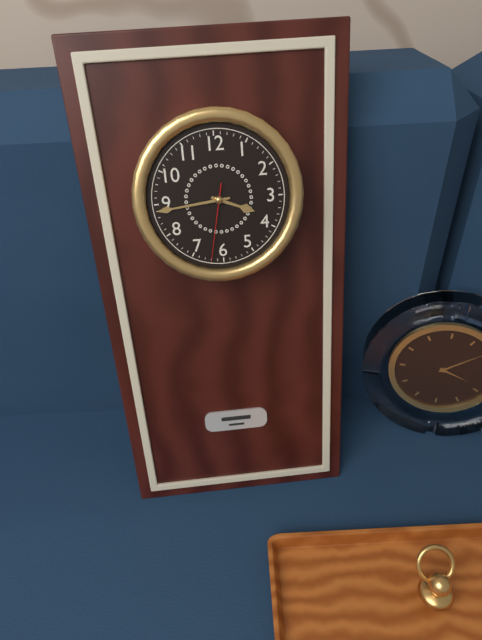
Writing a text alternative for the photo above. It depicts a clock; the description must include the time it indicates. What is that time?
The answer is 3:44:32
